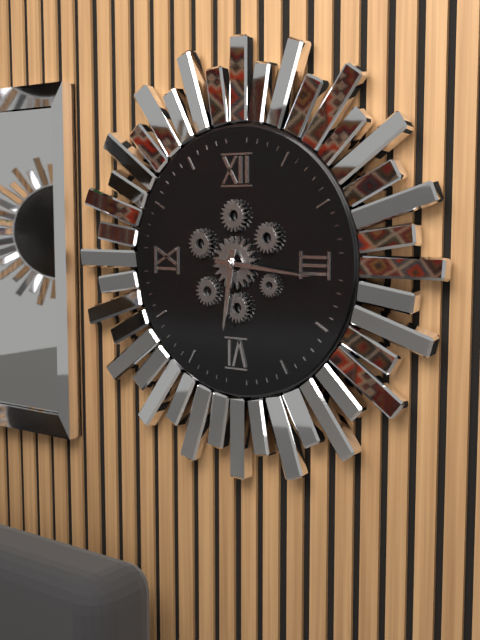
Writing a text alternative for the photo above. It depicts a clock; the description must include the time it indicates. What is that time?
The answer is 6:16
